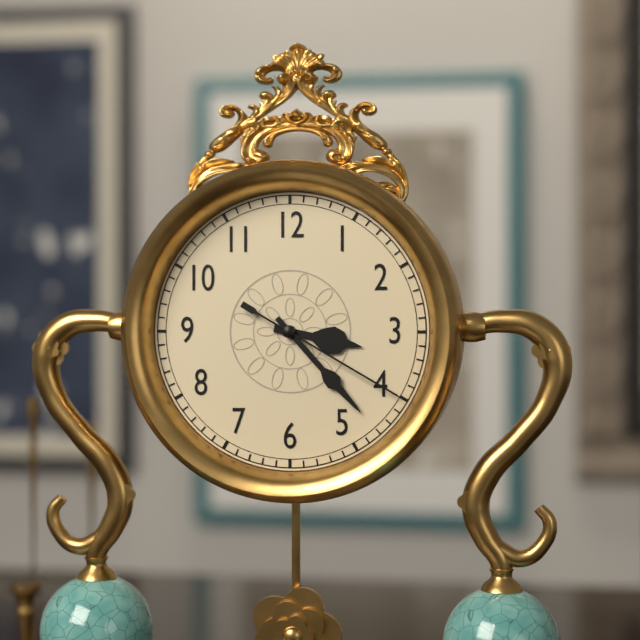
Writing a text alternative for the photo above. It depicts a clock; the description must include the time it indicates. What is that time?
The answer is 3:23:20
